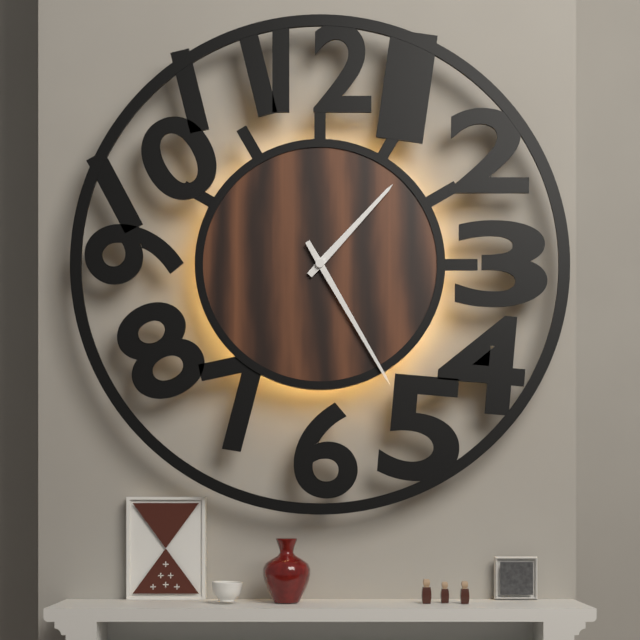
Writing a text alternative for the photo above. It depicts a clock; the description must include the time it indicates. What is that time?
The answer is 1:25
